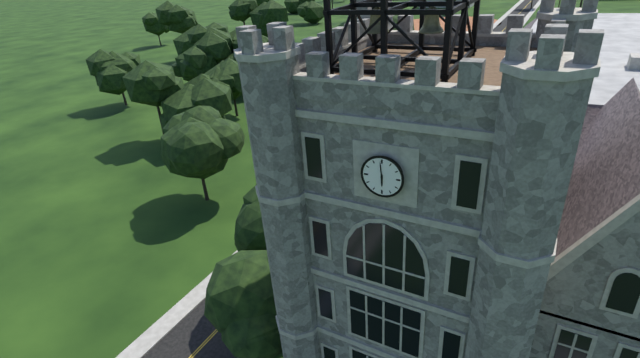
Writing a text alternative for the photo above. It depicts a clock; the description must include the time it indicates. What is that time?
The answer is 5:59
